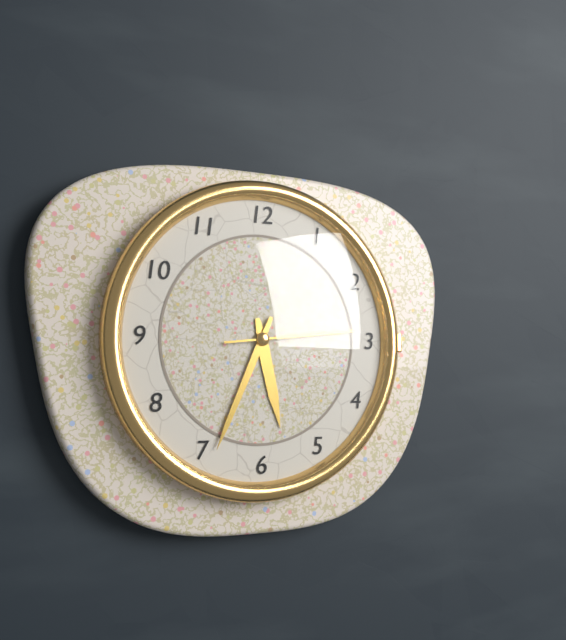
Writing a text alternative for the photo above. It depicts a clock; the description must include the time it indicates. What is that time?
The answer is 5:34:14
